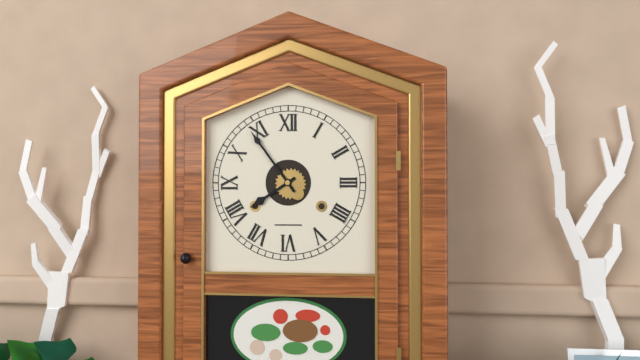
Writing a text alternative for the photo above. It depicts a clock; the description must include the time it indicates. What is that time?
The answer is 7:54
